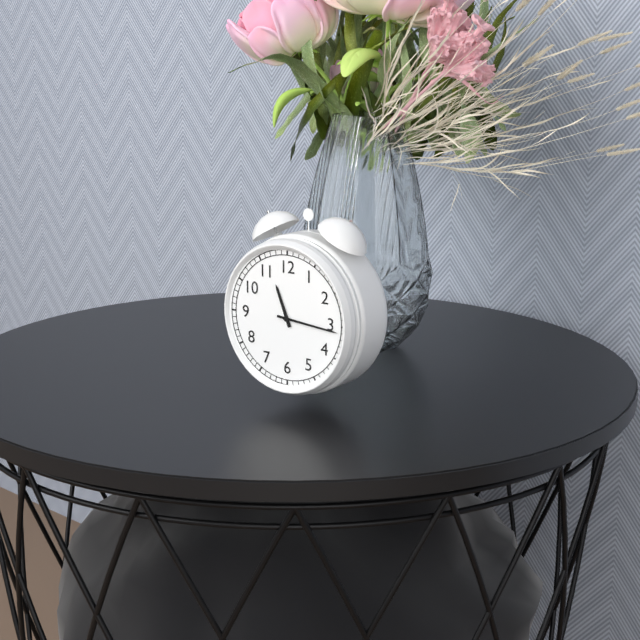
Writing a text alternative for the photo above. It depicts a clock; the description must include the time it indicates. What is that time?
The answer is 11:16
